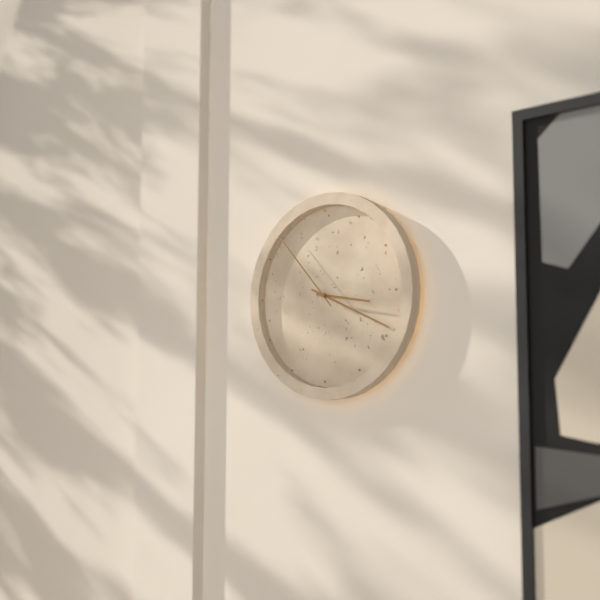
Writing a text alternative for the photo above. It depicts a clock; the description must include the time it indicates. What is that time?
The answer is 3:19:53
